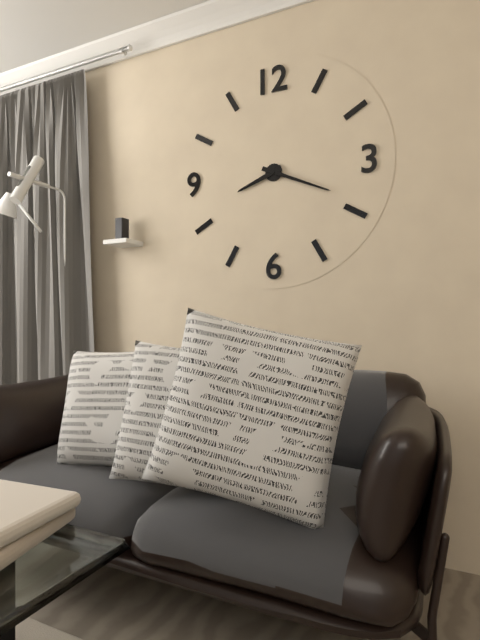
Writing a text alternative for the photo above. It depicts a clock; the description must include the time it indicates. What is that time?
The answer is 8:19
